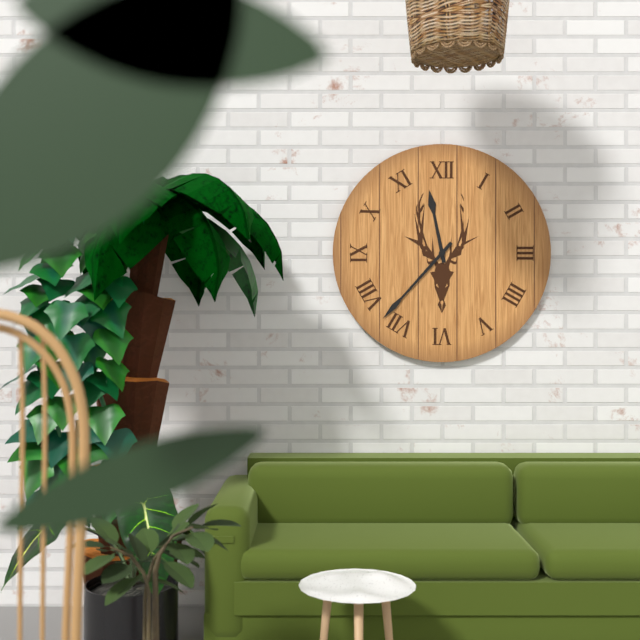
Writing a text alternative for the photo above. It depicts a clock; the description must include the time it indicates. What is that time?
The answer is 11:37
